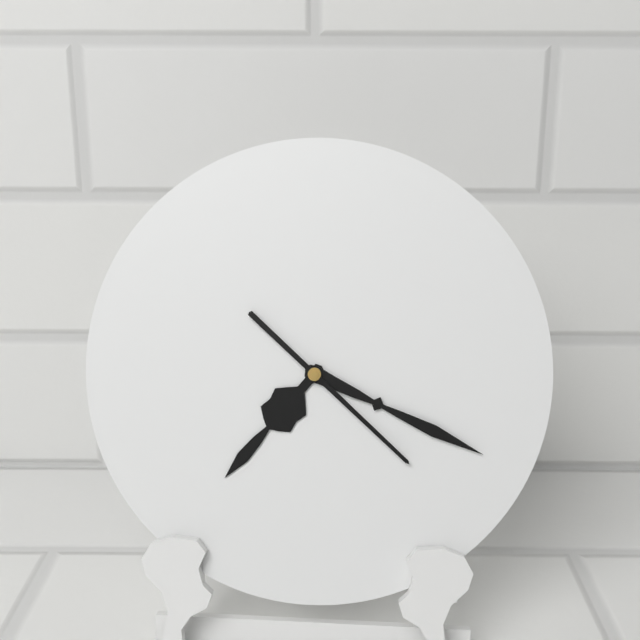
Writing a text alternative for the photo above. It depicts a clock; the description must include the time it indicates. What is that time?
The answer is 7:19:22
